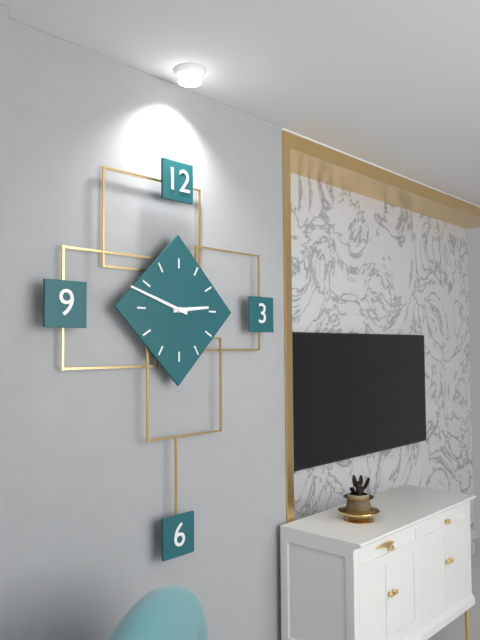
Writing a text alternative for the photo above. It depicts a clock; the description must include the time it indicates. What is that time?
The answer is 2:48
